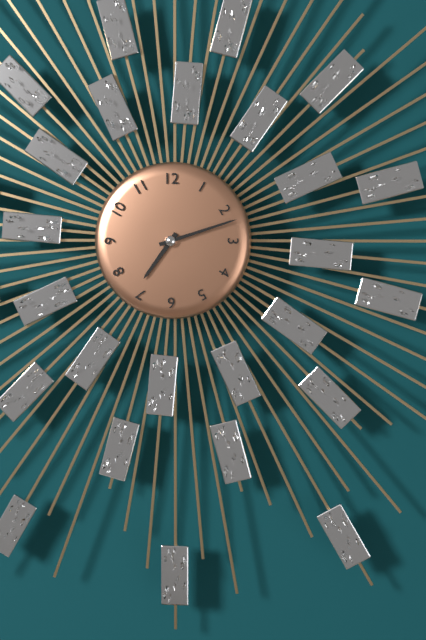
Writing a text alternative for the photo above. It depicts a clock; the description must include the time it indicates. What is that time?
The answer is 7:12
